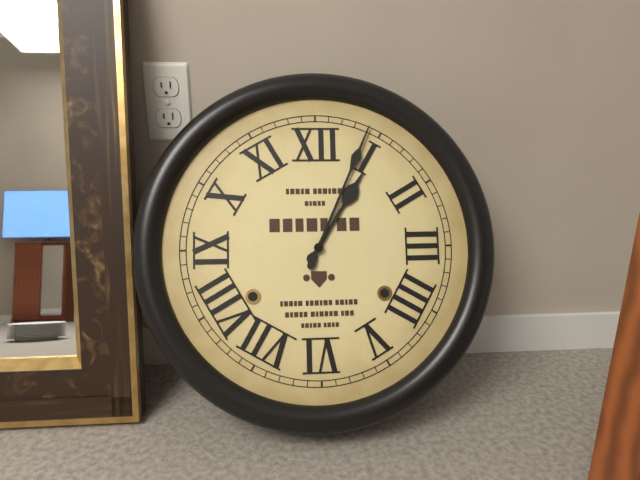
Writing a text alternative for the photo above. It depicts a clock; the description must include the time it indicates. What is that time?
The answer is 1:04
